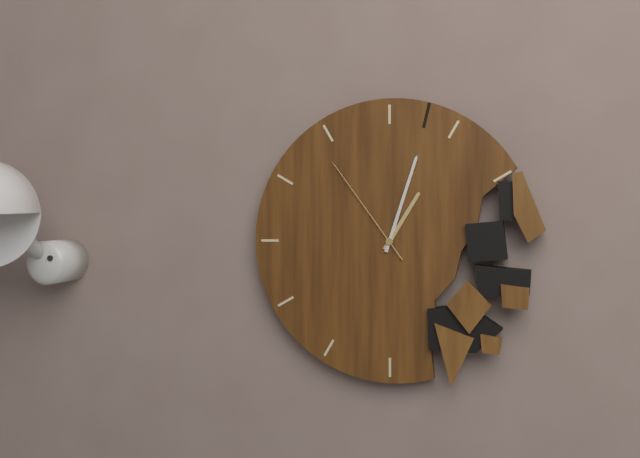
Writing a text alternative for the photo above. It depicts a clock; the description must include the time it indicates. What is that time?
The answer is 1:03:54
